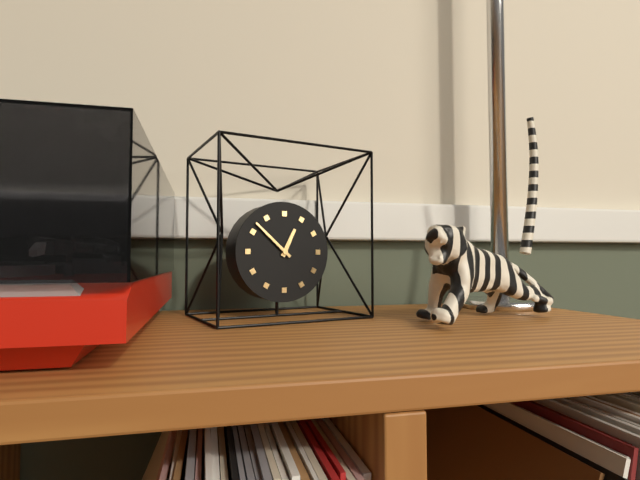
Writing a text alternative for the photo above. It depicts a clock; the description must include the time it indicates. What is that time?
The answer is 12:52
